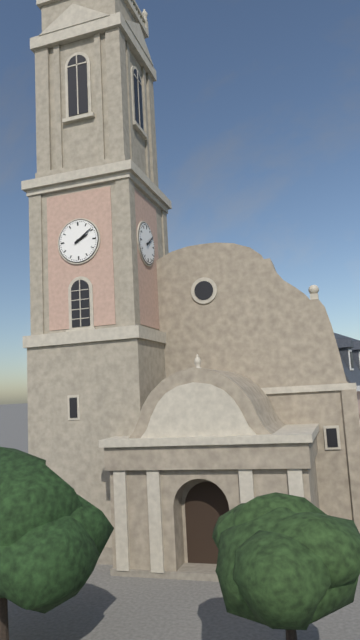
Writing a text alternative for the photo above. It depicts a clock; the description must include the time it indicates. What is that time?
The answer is 2:09
